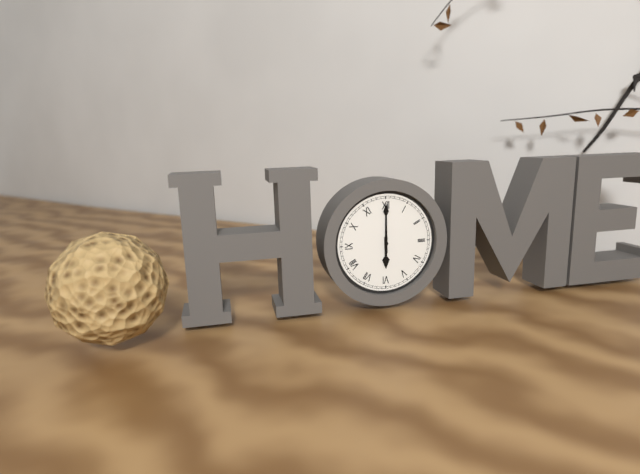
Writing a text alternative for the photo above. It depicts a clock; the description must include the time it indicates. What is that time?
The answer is 6:00
